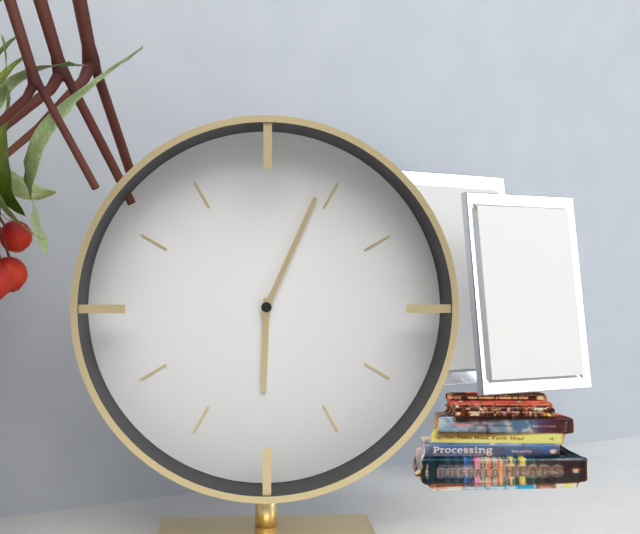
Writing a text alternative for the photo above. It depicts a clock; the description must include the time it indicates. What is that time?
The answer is 6:04
